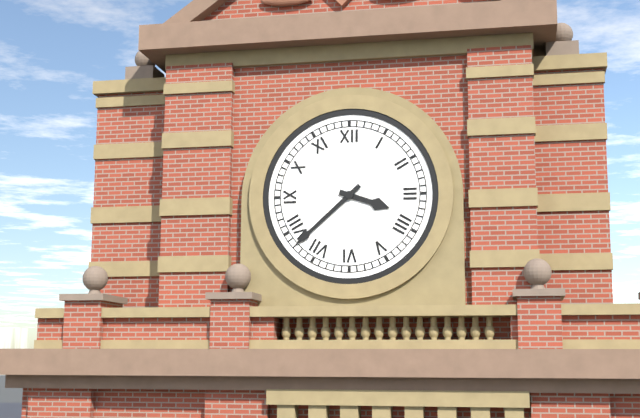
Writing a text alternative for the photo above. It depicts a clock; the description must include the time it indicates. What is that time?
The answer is 3:38
